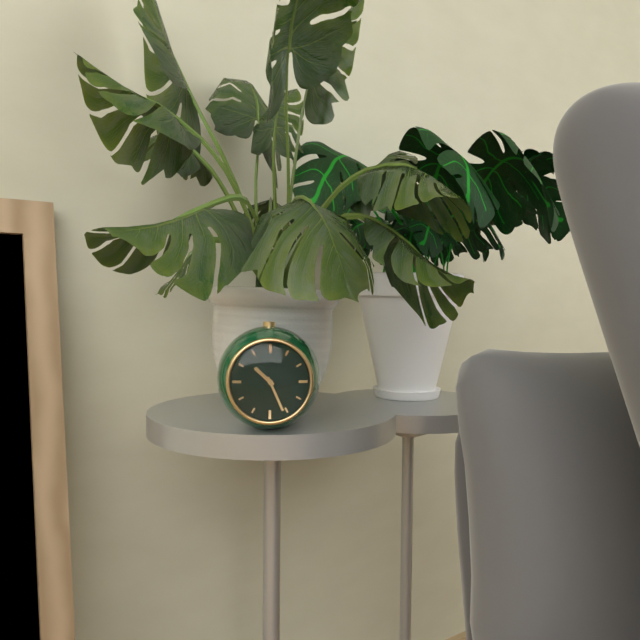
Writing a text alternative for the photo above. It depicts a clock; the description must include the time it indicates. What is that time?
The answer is 10:26
